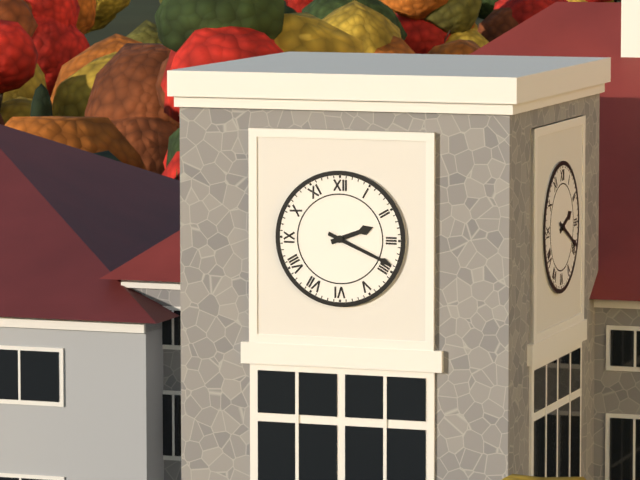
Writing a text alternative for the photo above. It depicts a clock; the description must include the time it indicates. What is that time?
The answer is 2:19
